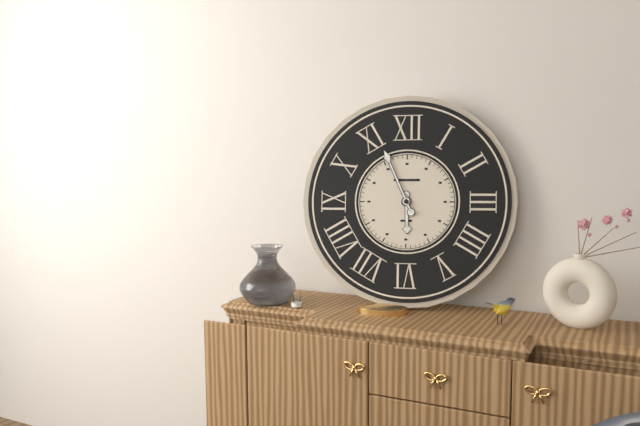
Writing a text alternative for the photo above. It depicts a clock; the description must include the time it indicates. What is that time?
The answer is 5:56
